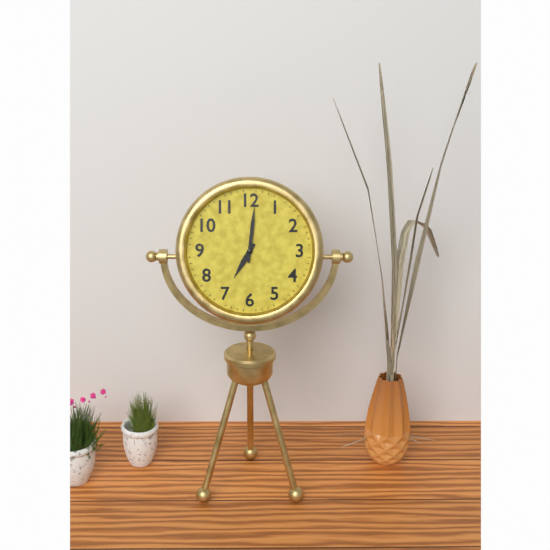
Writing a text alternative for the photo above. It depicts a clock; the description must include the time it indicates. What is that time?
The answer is 7:01
